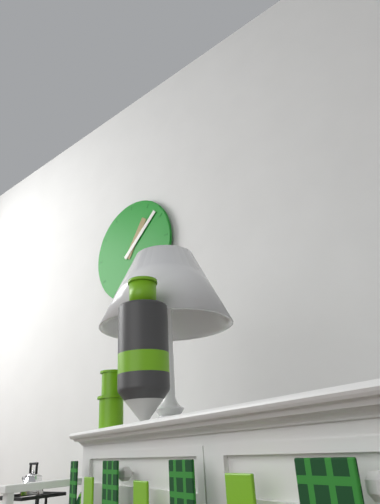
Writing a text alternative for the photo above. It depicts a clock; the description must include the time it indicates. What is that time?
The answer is 1:08
